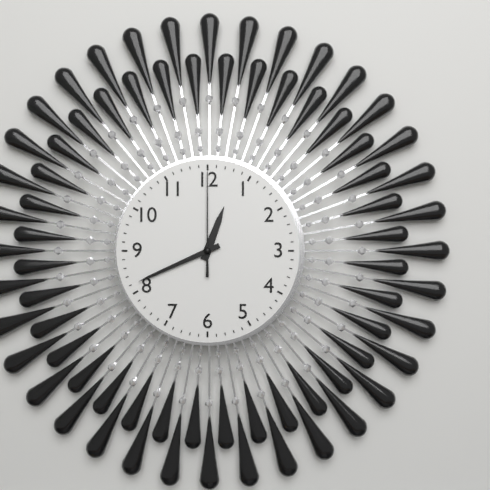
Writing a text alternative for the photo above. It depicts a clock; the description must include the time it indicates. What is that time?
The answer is 12:41:00
